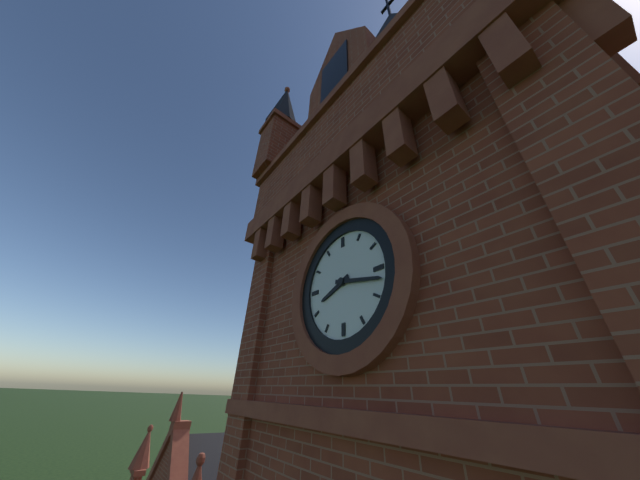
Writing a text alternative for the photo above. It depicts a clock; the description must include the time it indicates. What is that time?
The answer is 8:17
